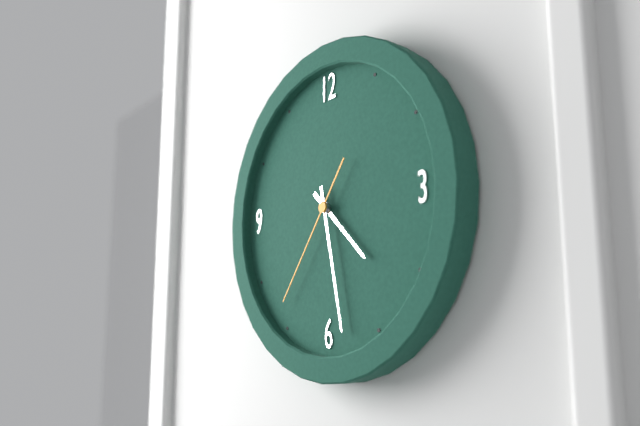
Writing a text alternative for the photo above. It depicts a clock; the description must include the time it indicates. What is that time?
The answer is 4:28:36
